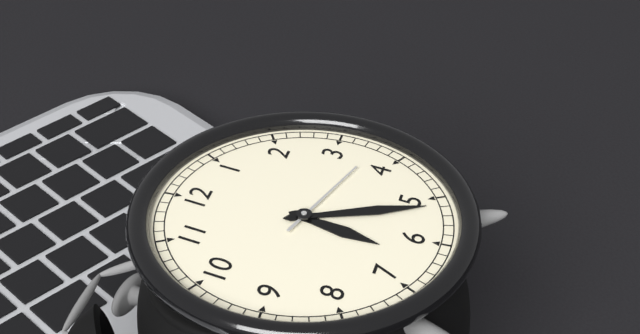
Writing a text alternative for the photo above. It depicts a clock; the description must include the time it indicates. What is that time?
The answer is 6:26:18
